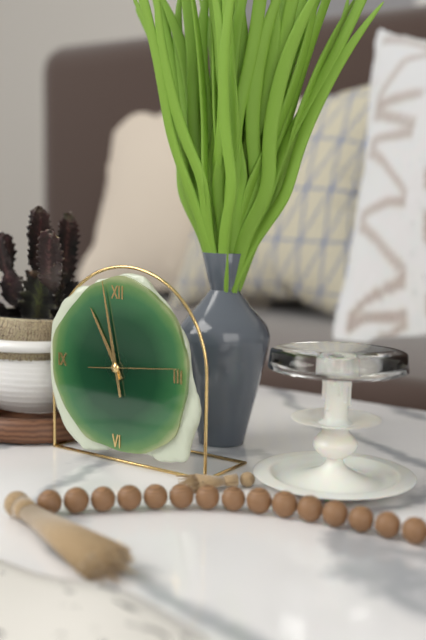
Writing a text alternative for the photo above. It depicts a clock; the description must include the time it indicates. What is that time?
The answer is 10:58:14
